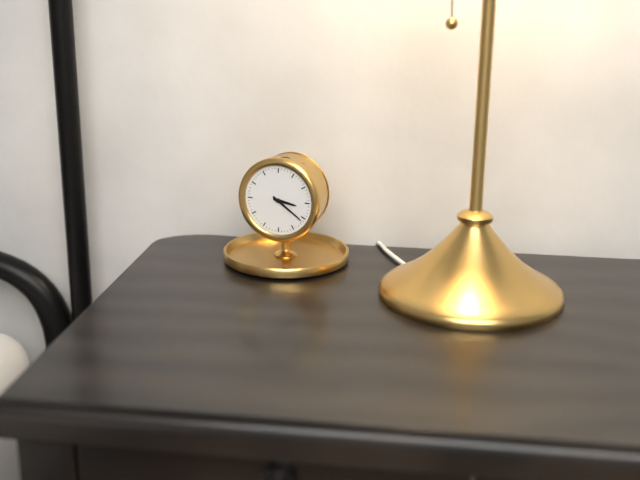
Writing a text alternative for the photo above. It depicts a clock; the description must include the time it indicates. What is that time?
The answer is 3:21
